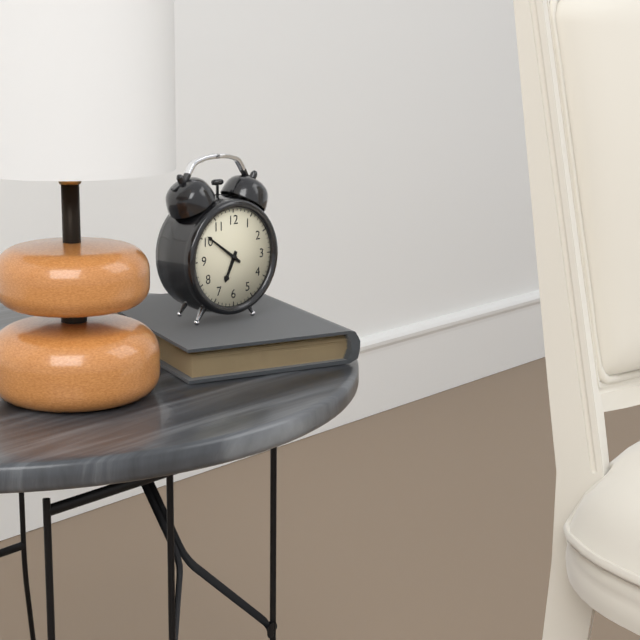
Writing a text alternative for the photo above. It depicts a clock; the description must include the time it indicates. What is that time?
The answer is 6:51
